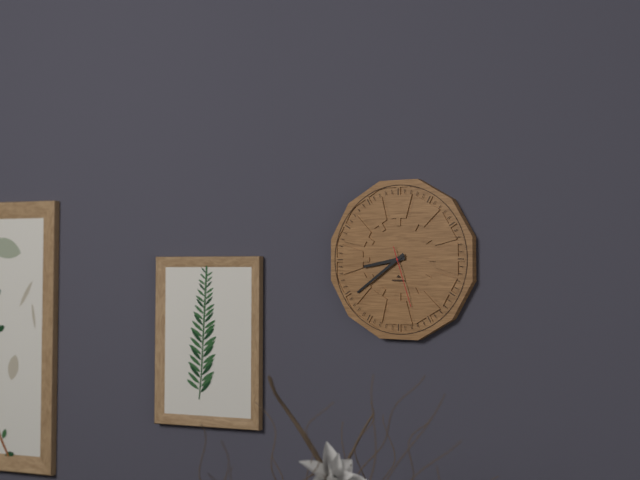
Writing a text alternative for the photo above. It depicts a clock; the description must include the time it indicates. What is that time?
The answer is 8:39:27
